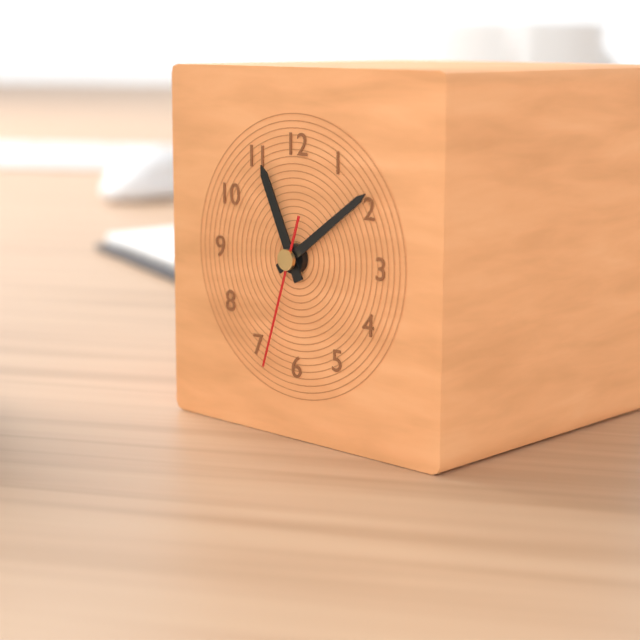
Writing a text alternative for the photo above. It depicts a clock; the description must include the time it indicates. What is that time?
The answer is 11:09:33
